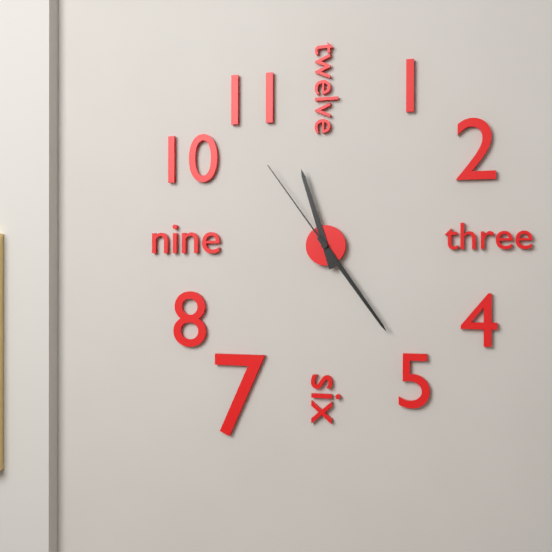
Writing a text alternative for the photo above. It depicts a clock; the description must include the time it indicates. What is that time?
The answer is 11:24:54
